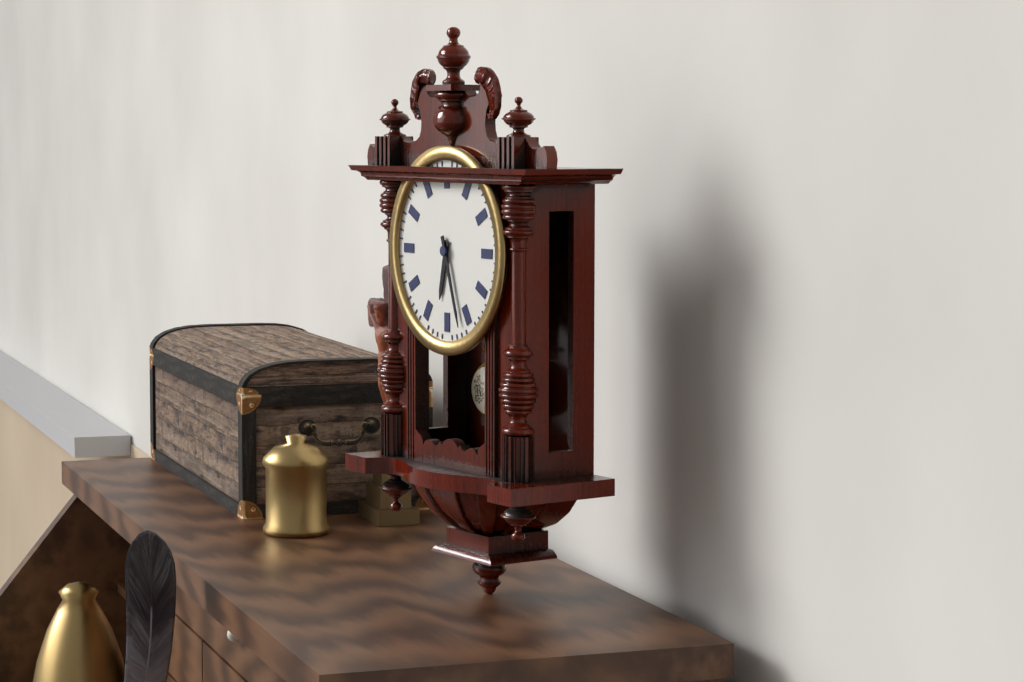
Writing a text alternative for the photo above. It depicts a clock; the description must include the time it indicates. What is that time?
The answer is 6:27
